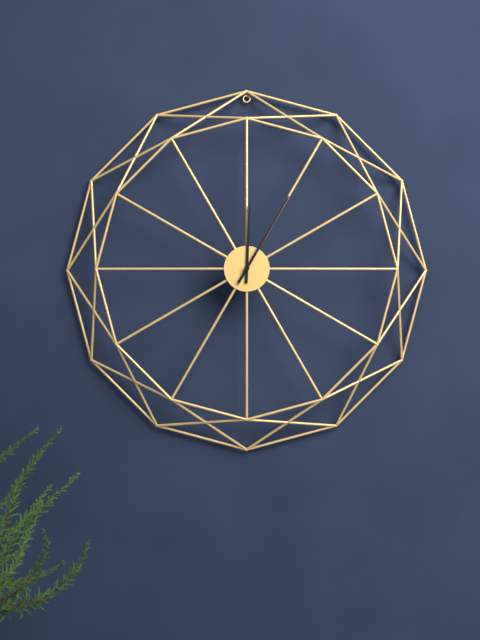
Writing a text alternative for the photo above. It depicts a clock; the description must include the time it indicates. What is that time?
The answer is 12:05
